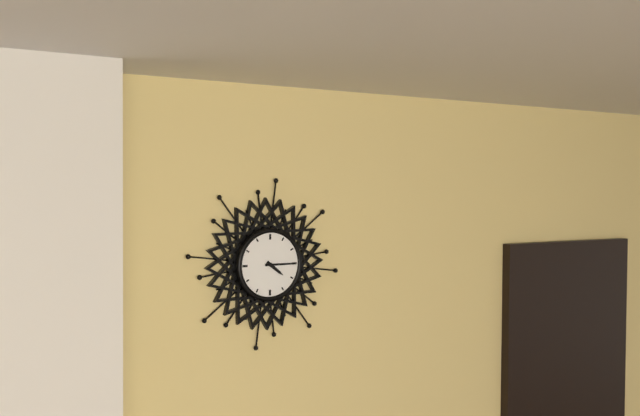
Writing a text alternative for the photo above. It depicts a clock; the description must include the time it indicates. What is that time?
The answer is 4:15
